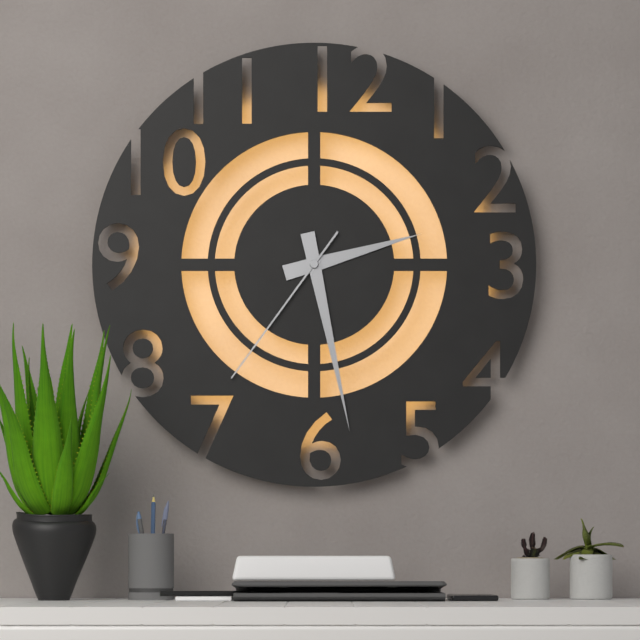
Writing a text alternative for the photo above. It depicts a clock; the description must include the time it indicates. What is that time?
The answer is 2:28:36
